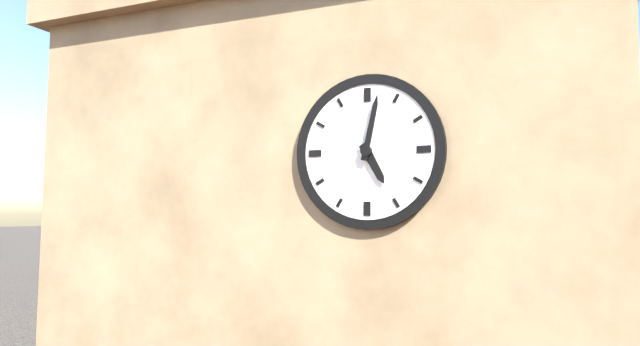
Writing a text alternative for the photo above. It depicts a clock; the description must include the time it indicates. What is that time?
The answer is 5:02
